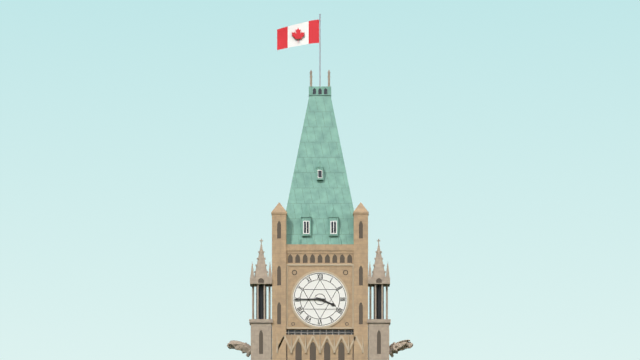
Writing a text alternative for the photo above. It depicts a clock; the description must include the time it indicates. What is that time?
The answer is 3:45
